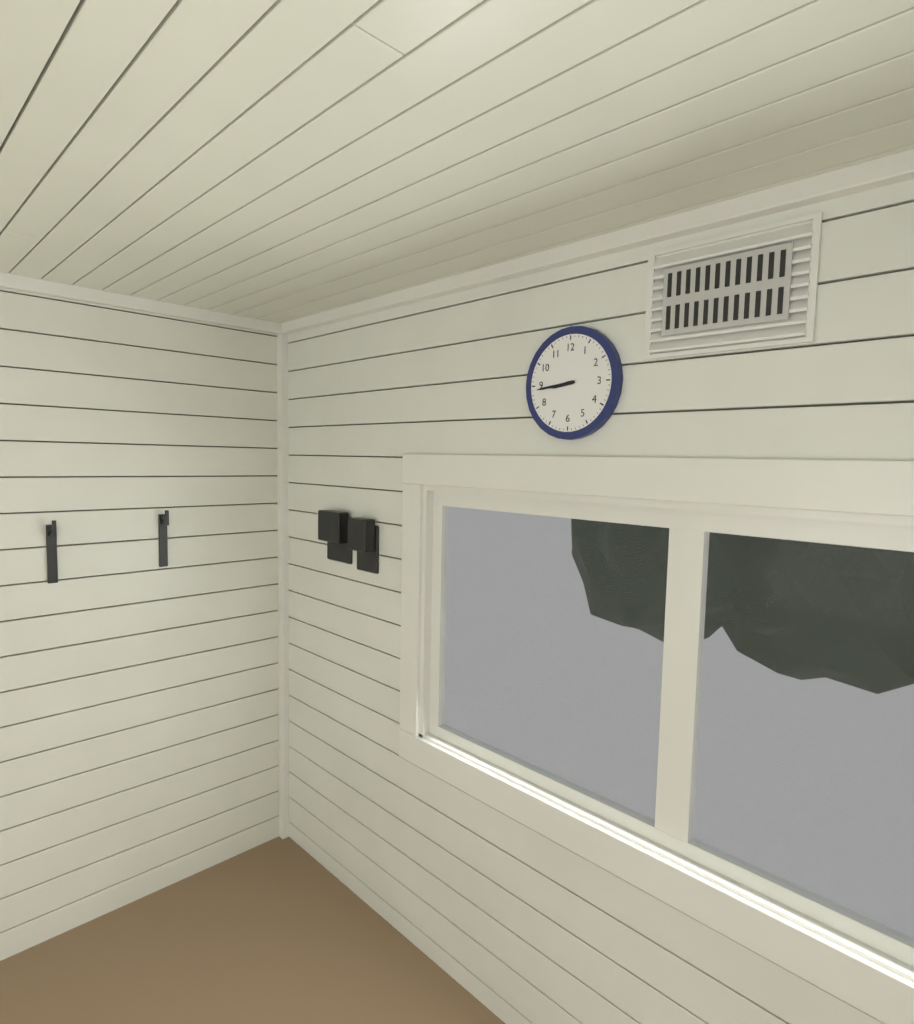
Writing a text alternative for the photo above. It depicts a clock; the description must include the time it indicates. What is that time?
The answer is 8:44
